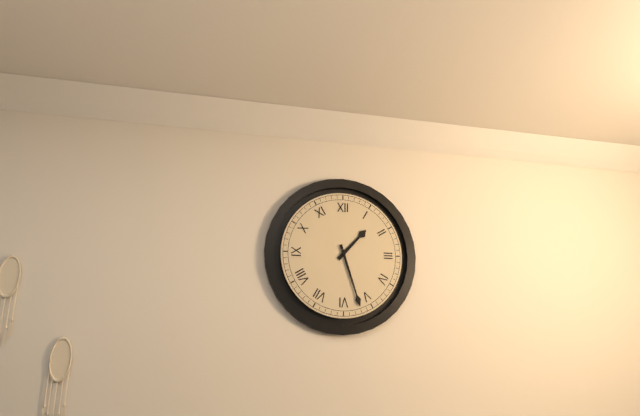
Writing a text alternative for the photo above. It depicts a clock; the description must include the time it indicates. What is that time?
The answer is 1:27
